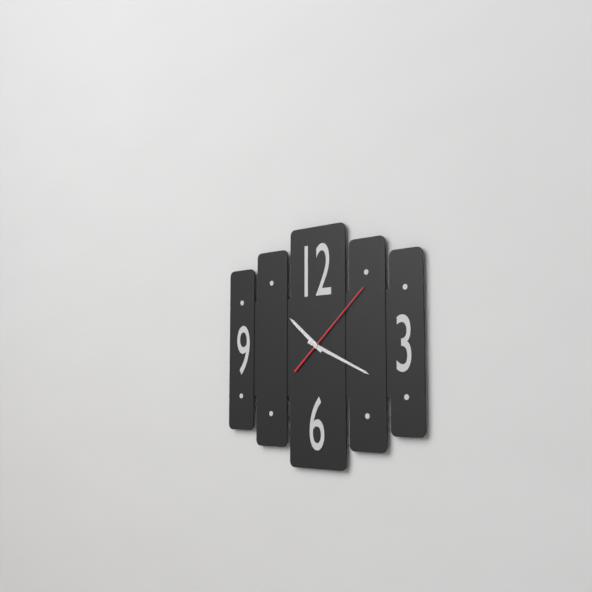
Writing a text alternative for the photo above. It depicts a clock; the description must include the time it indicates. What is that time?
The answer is 10:19:08
